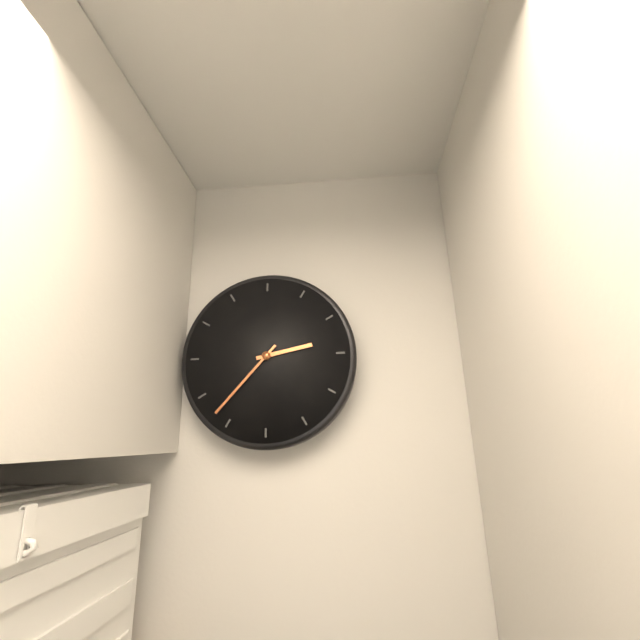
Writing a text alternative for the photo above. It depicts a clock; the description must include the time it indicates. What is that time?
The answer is 2:37
